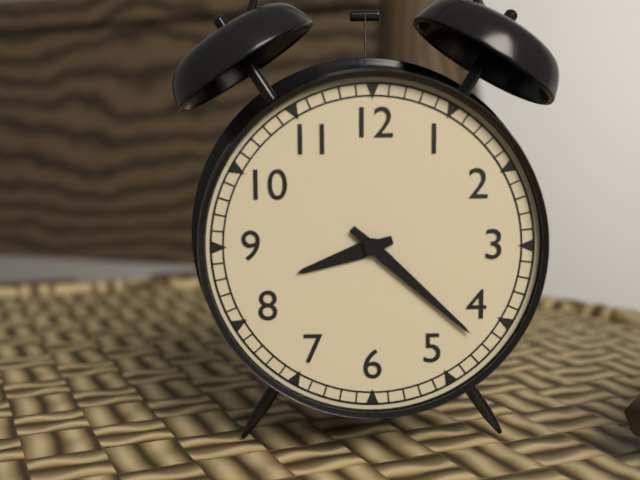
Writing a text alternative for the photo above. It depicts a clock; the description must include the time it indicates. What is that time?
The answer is 8:22
